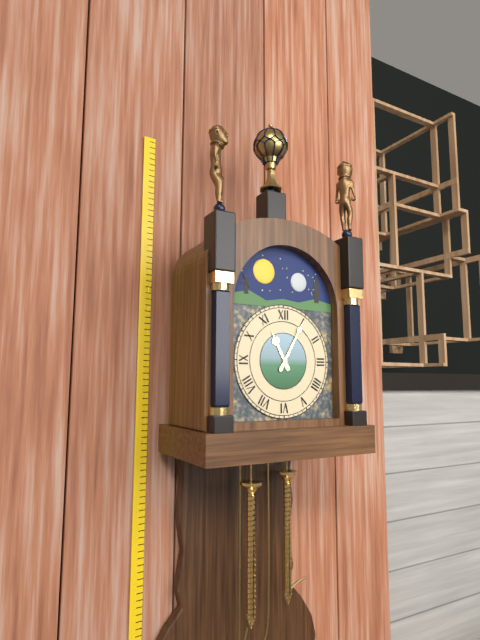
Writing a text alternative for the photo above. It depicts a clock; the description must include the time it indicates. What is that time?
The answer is 11:05
